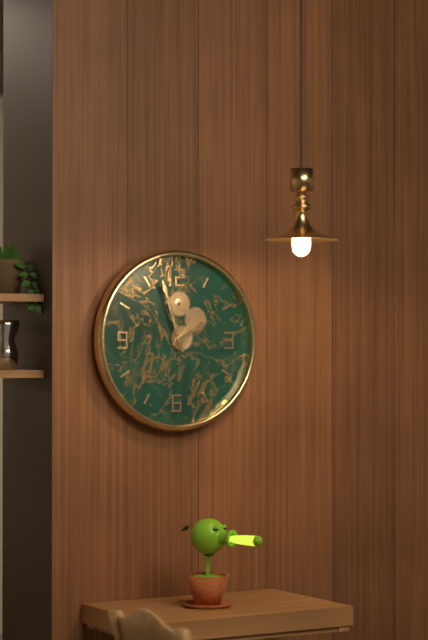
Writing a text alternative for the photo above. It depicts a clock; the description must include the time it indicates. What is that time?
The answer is 1:57
